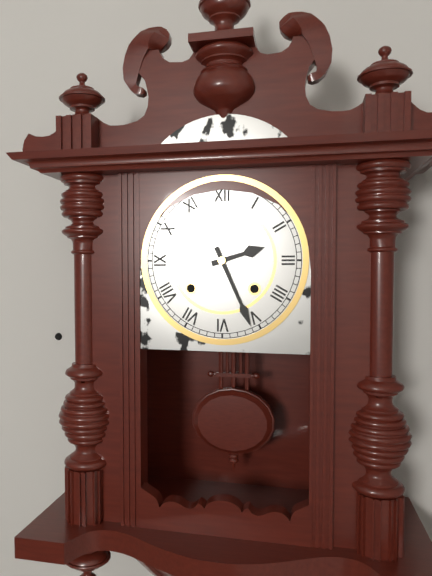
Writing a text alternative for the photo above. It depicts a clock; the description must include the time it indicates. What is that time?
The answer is 2:26
